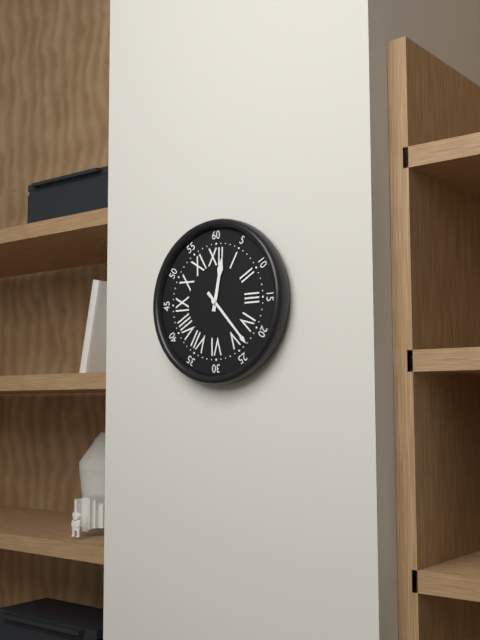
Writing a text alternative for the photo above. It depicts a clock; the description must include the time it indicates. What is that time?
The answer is 12:23
